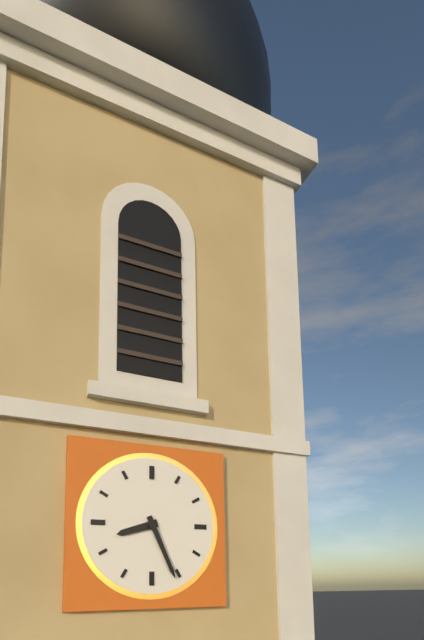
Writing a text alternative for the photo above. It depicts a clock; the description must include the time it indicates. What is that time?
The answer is 8:26
